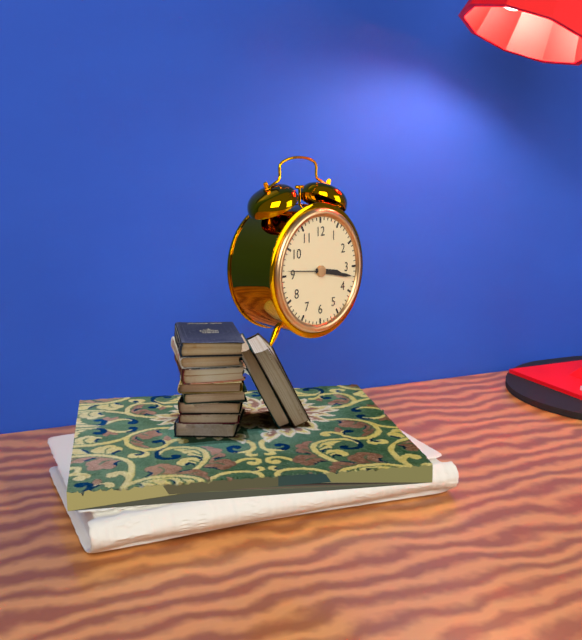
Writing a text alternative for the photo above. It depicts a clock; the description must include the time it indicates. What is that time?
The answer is 3:17
